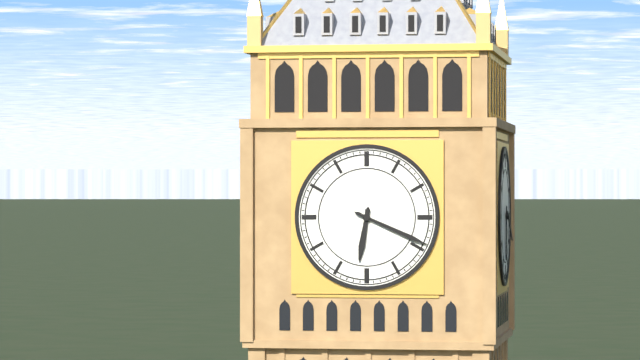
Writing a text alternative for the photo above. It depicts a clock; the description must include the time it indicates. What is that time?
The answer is 6:19
